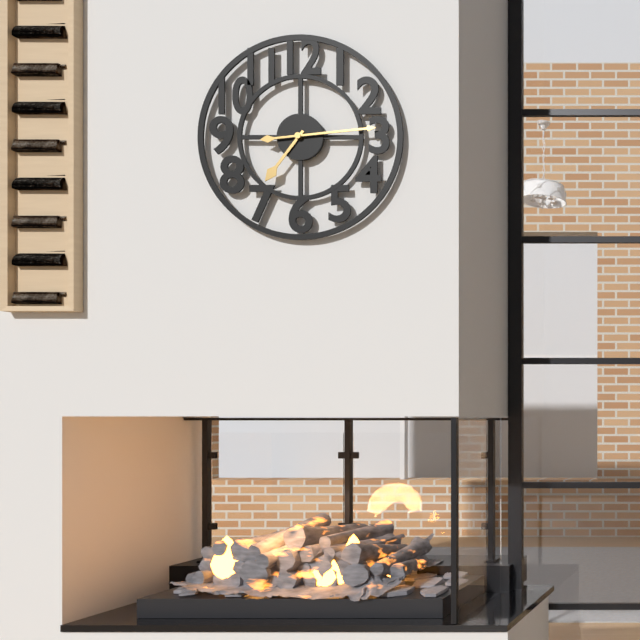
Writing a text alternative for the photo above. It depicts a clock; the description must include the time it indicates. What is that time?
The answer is 7:14
